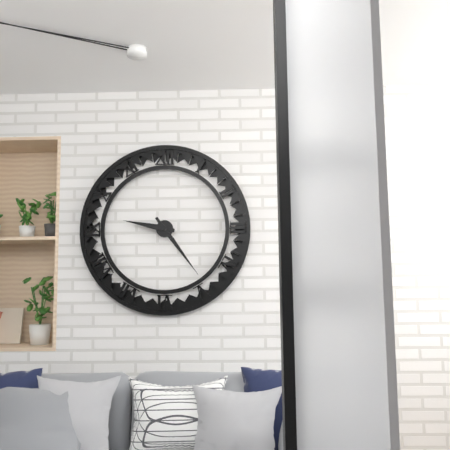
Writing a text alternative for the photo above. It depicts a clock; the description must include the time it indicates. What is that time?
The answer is 9:24
